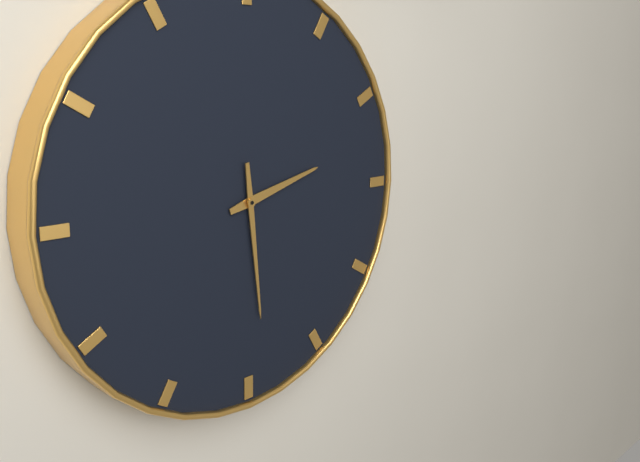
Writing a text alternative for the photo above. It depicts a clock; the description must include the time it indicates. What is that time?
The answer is 2:29
